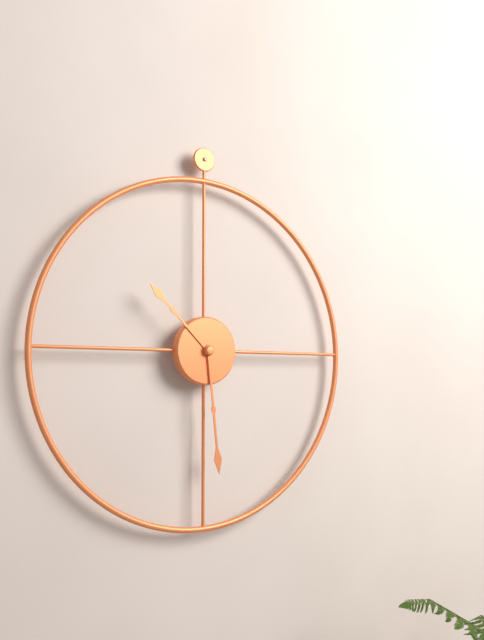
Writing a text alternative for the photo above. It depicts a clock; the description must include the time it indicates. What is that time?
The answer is 10:29
